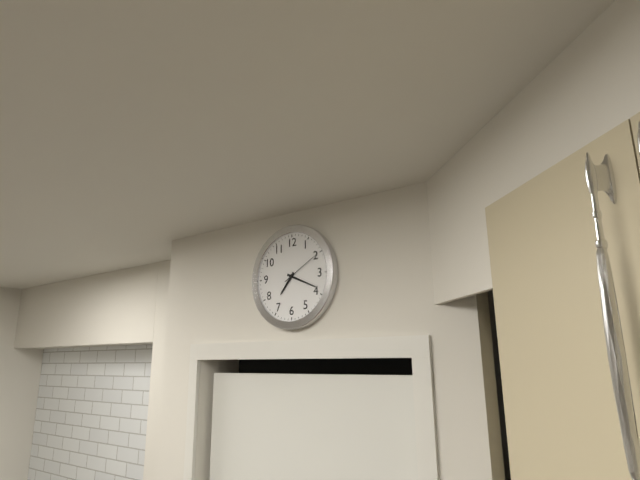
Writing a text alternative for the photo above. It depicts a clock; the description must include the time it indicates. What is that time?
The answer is 7:19
